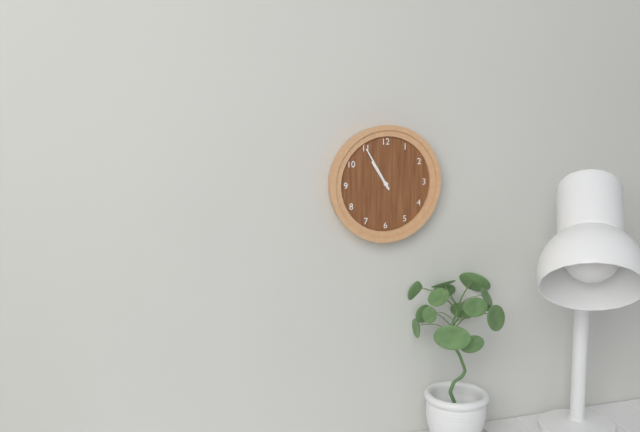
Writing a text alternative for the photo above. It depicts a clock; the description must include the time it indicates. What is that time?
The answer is 10:55
